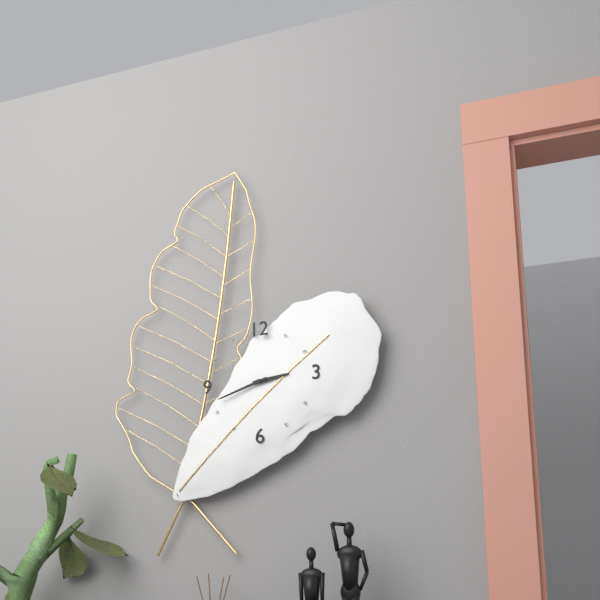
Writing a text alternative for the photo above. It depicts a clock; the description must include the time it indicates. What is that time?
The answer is 2:42
